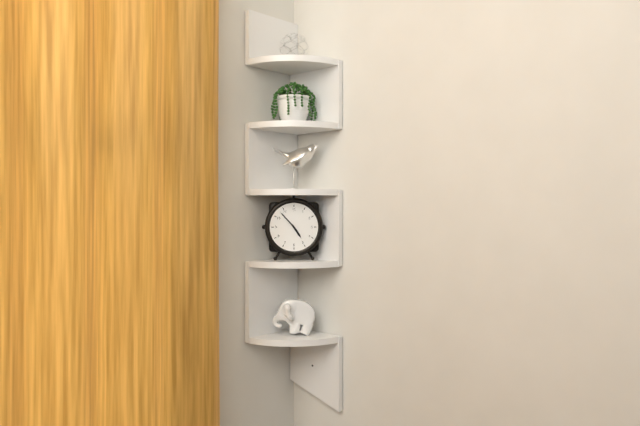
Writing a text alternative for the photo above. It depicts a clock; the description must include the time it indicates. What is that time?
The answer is 4:53
